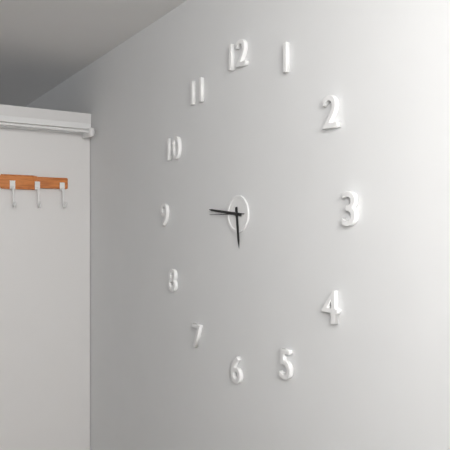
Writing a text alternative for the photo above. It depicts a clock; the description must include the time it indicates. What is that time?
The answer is 5:46
